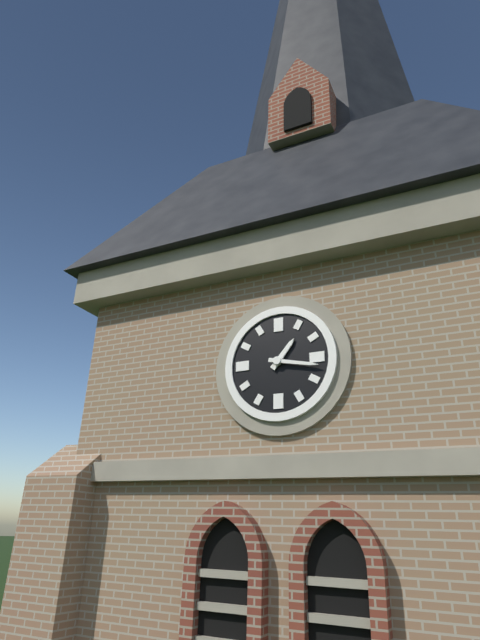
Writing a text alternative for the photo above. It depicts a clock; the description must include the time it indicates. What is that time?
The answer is 1:17
